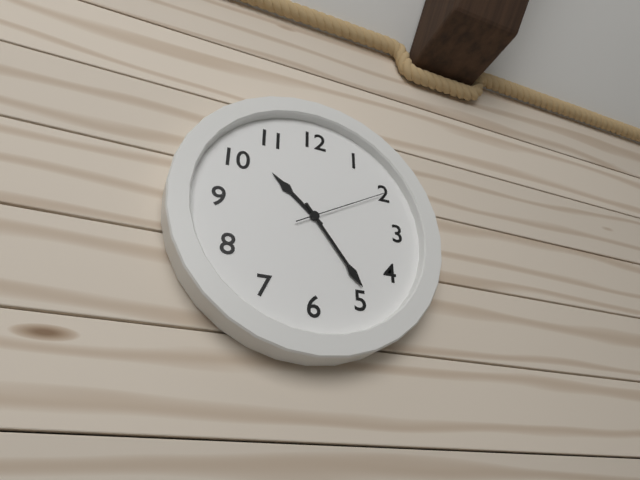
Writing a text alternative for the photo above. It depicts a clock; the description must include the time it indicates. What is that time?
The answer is 10:24:10
